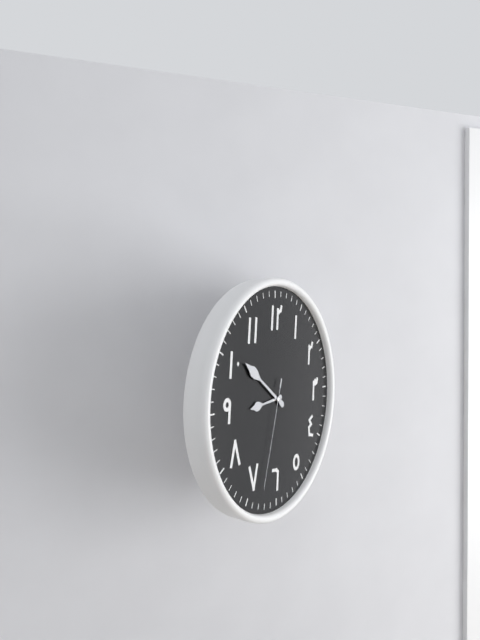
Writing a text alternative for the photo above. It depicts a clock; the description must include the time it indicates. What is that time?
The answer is 8:51:33
